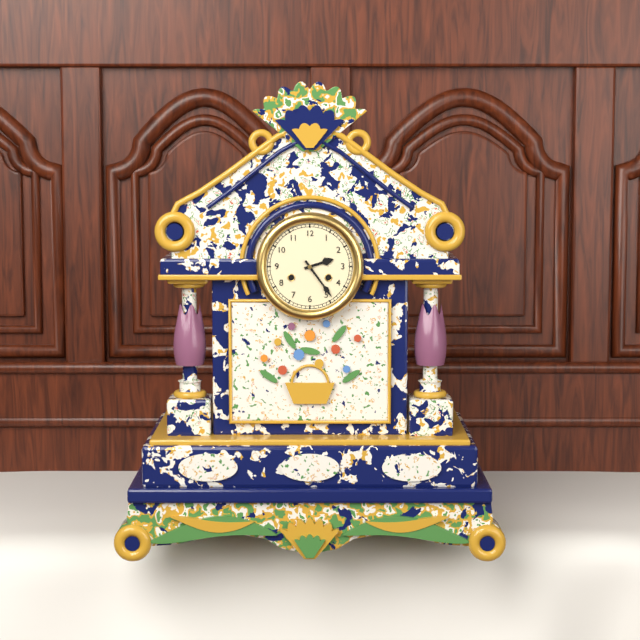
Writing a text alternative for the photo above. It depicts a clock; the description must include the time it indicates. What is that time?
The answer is 2:24
